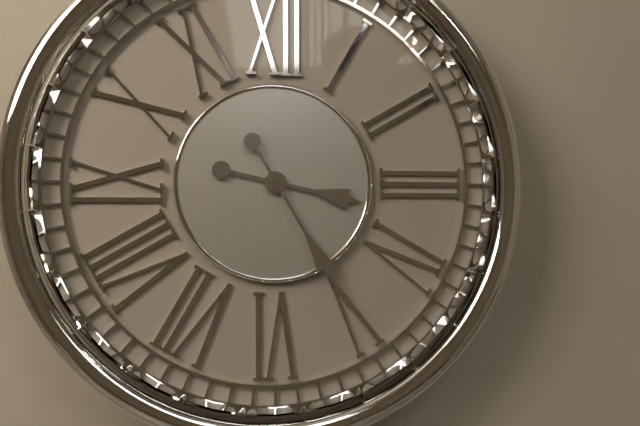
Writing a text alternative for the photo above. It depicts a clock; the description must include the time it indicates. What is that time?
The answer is 3:25
